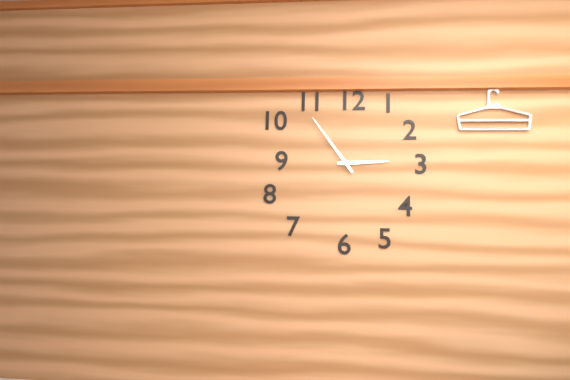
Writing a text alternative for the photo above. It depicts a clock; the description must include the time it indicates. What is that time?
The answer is 2:54
